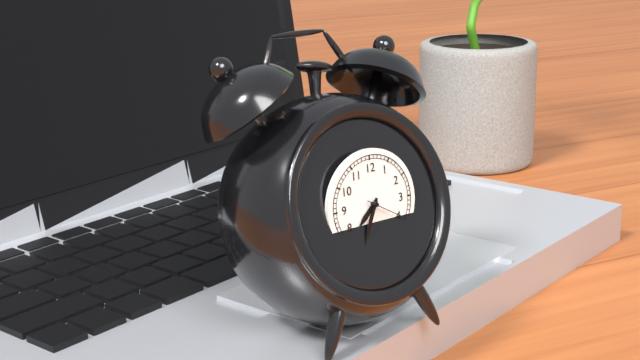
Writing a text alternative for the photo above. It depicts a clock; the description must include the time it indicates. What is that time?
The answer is 7:34
